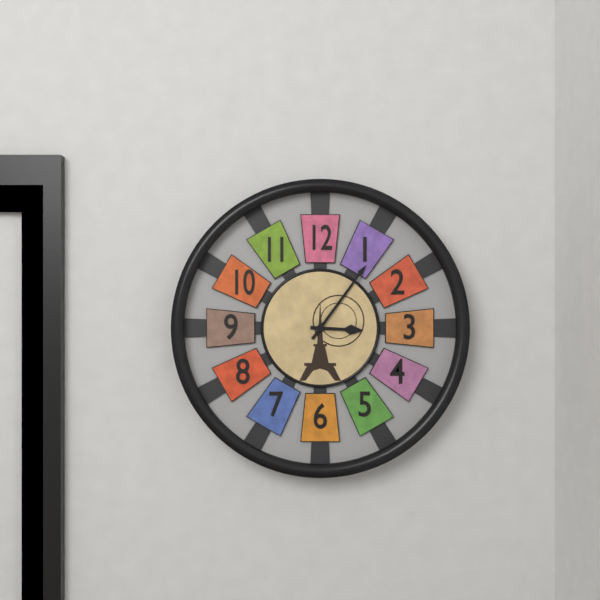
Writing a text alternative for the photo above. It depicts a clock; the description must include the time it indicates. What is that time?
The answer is 3:06
